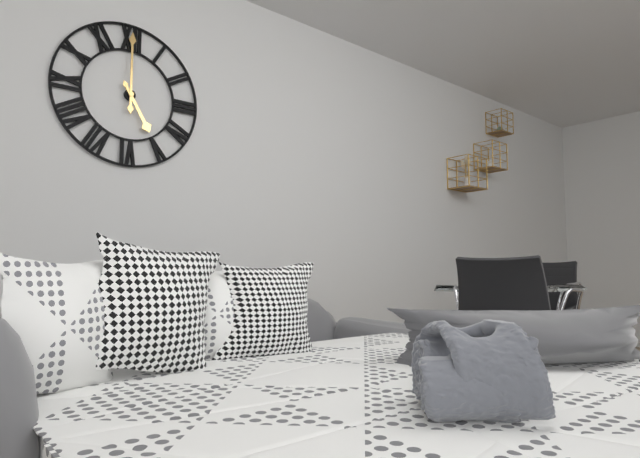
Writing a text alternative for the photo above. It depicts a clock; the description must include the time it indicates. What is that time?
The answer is 5:00
